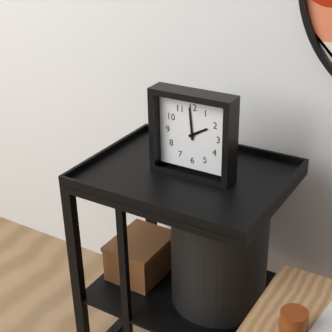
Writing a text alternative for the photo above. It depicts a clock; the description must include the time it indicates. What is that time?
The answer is 1:59
